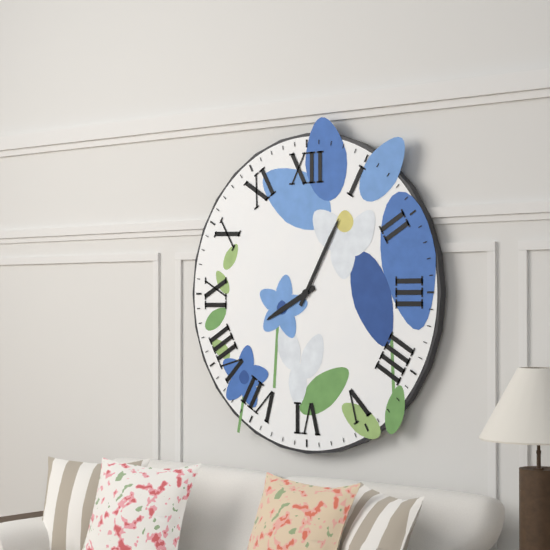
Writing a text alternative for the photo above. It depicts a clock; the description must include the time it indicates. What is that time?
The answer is 8:05
